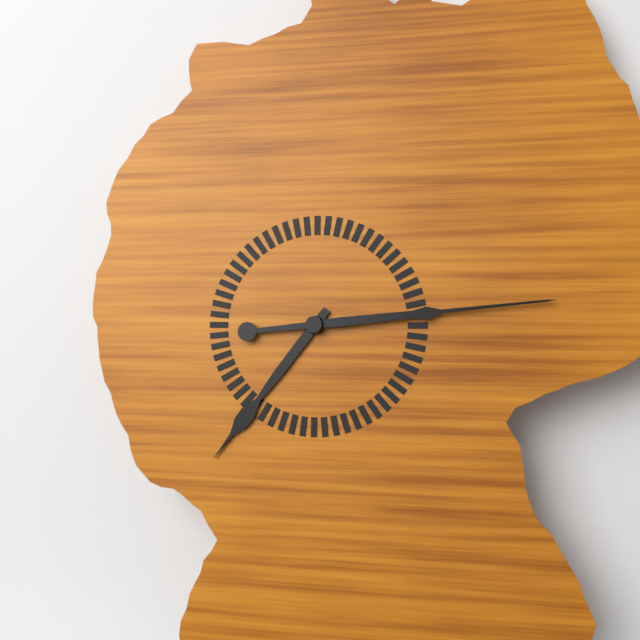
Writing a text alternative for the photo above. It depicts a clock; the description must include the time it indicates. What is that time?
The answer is 7:14
